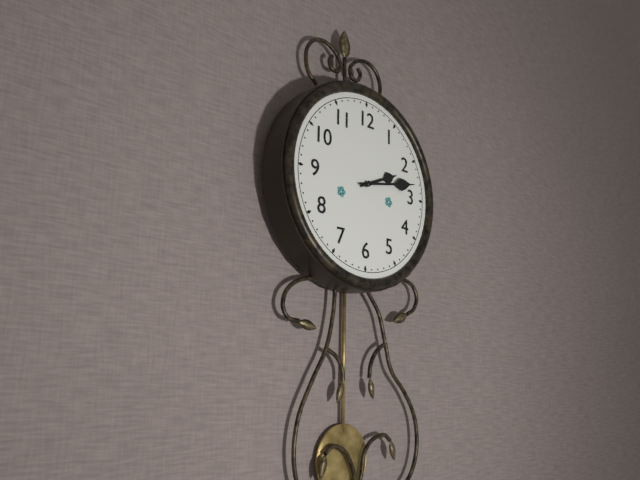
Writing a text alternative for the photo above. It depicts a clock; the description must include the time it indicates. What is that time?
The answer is 2:13
